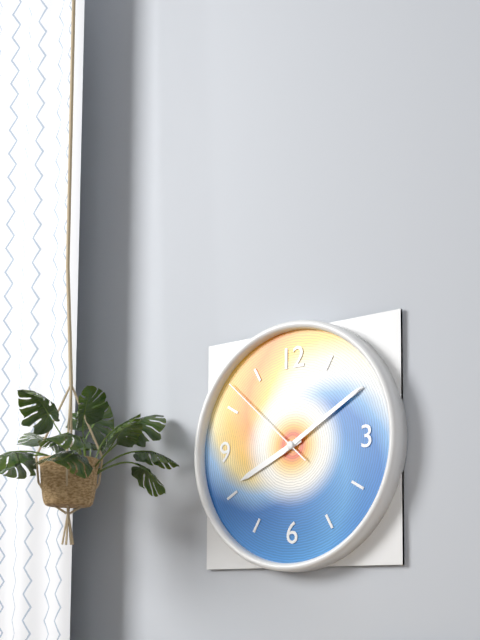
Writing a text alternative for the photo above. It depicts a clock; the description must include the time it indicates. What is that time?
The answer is 8:10:52
